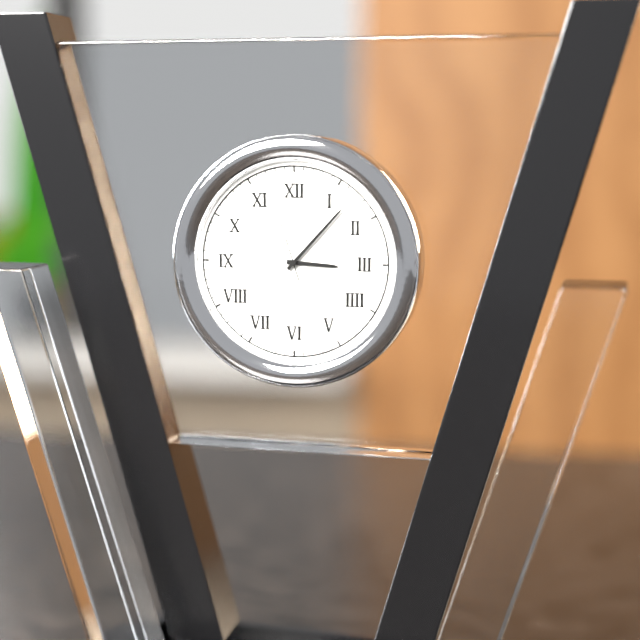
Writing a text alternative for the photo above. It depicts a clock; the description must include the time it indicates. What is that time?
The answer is 3:07:57
